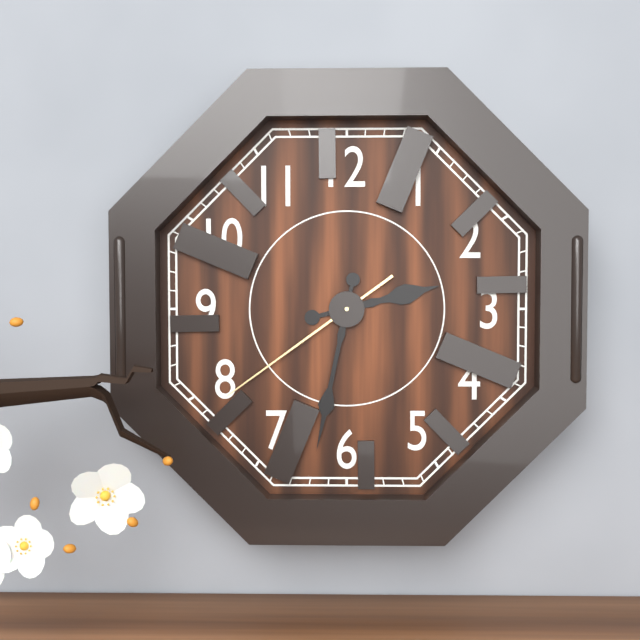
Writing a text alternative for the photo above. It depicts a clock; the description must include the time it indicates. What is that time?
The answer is 2:32:39
